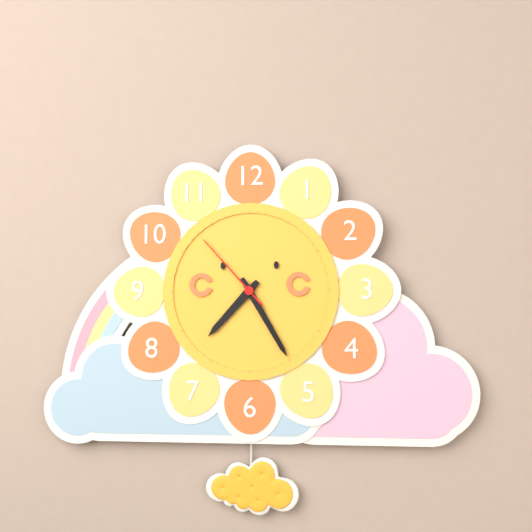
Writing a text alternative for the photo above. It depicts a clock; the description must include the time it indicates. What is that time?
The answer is 7:25:53
